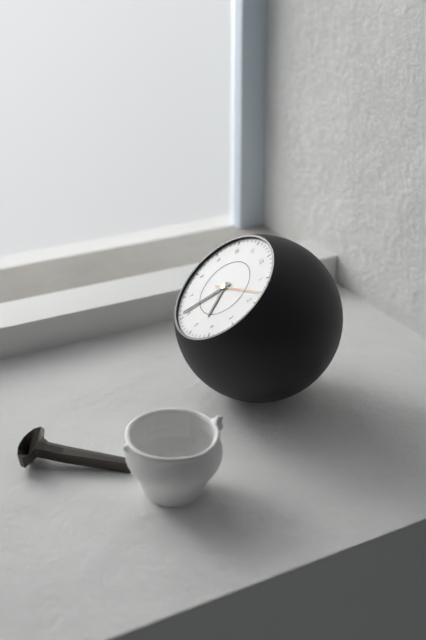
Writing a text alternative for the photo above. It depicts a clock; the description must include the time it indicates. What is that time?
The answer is 4:31
